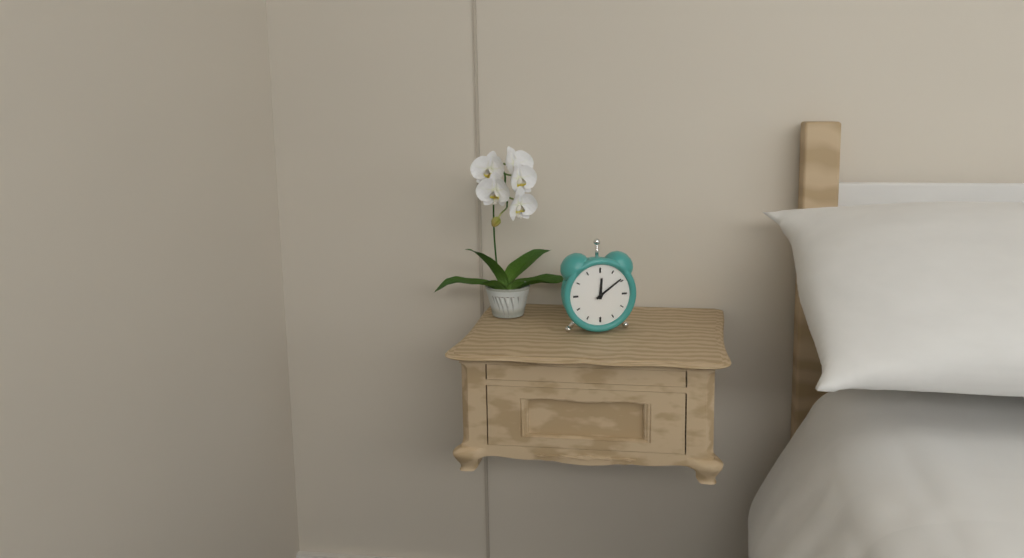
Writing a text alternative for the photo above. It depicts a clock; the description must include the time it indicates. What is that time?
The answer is 12:09
